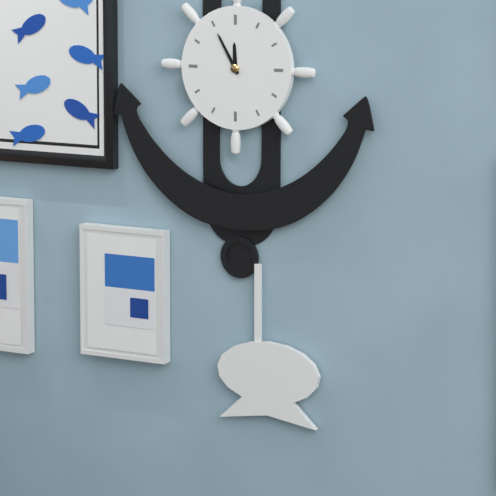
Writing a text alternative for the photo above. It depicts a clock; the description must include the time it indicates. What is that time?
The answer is 11:55
